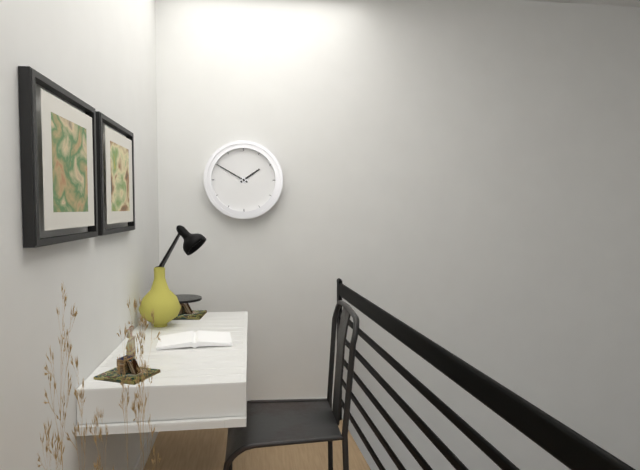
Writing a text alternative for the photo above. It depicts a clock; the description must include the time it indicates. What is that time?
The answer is 1:50
